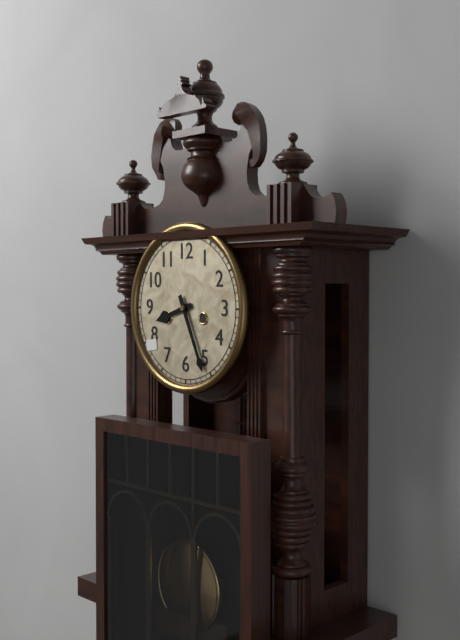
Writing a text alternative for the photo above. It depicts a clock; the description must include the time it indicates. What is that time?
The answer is 8:26
